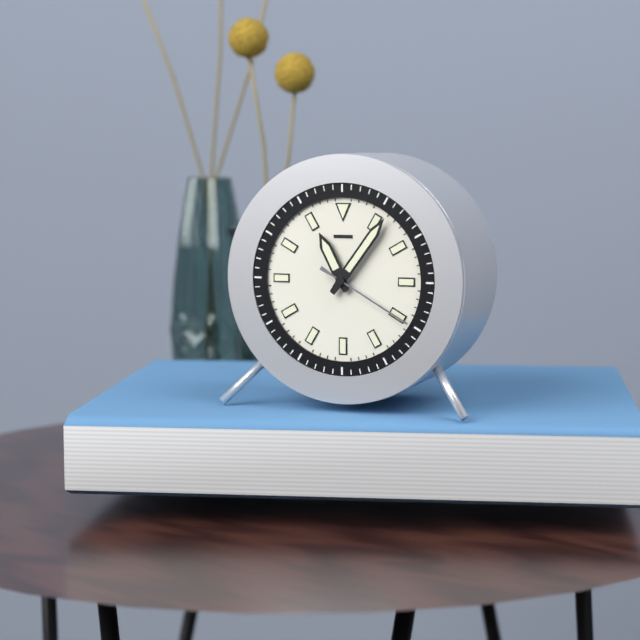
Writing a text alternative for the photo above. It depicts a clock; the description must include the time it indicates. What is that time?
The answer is 11:06:20
